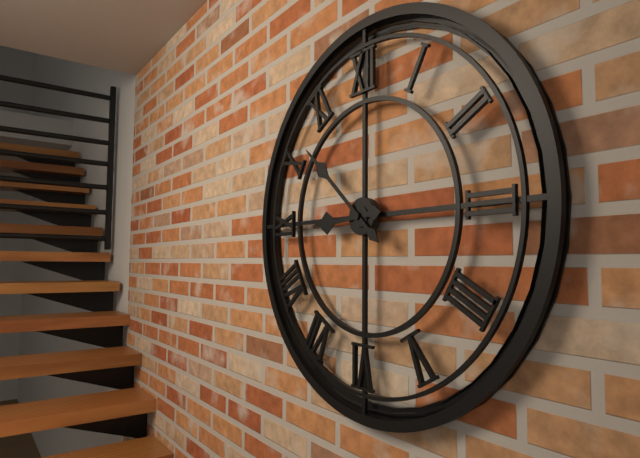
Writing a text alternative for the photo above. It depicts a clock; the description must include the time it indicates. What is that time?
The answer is 8:52
